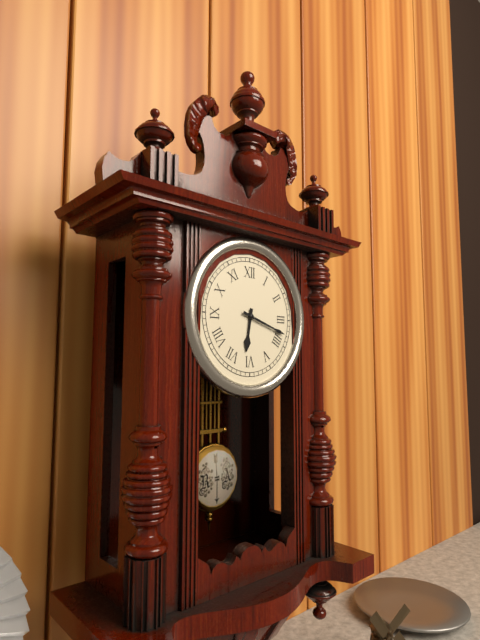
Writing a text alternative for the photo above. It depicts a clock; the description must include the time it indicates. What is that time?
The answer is 6:18
